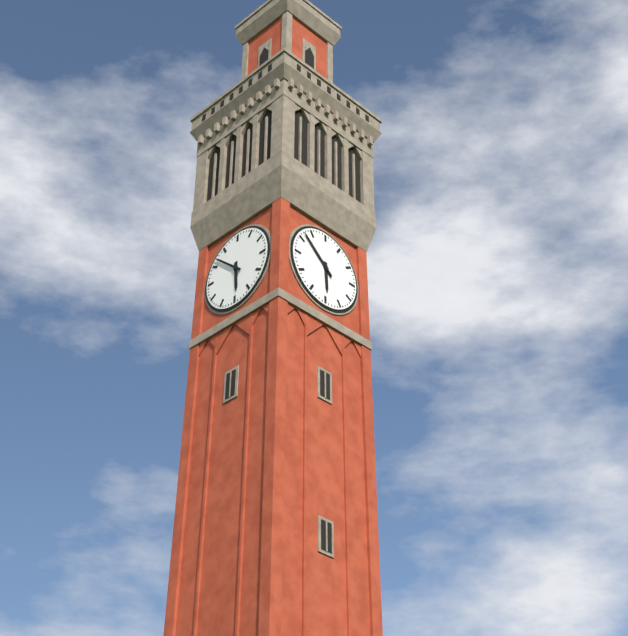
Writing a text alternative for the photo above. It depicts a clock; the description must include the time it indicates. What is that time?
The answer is 5:52
